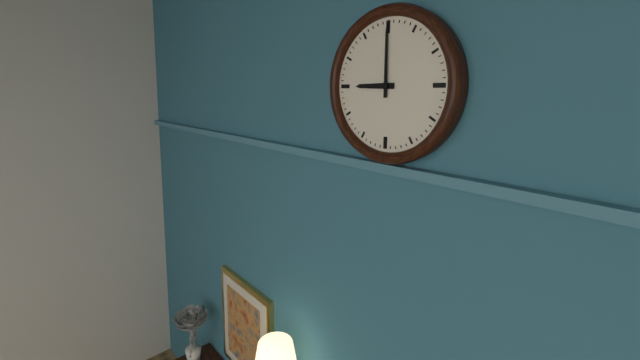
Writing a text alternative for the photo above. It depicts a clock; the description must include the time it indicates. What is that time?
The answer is 9:00
